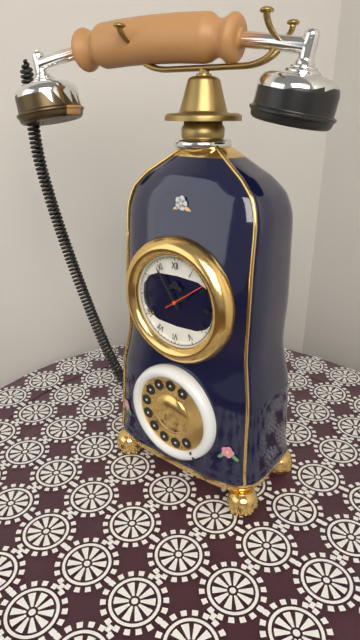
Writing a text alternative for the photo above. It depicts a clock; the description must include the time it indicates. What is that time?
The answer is 1:54
